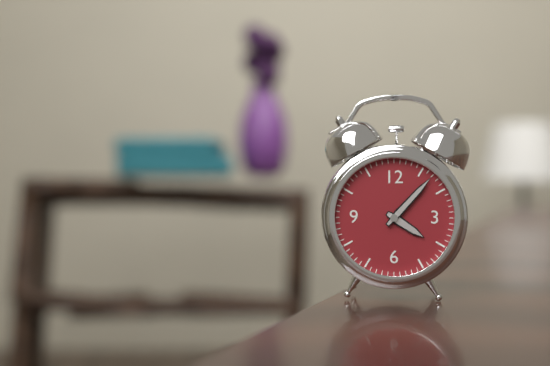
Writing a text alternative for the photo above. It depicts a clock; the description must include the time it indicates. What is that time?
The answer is 4:07
